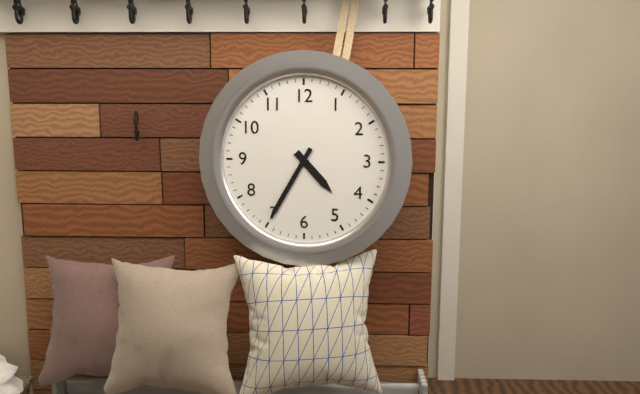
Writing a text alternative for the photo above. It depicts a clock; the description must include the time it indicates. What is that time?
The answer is 4:35
